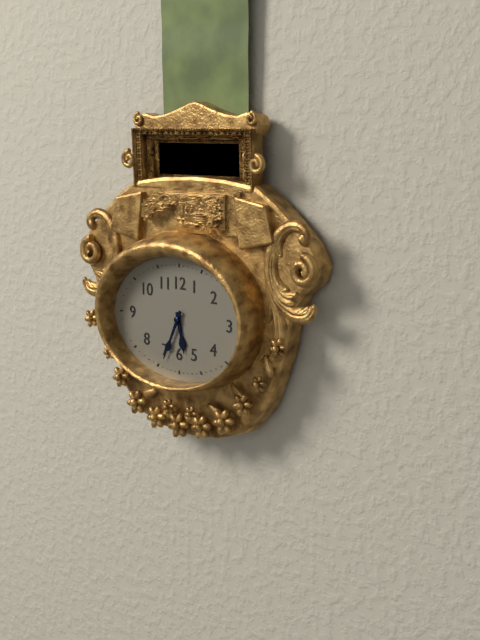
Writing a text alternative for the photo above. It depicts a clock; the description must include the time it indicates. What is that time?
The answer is 5:34
